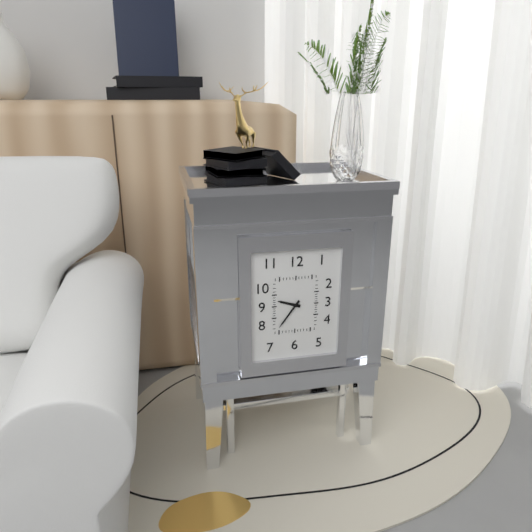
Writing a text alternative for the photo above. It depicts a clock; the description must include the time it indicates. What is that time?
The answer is 9:36
